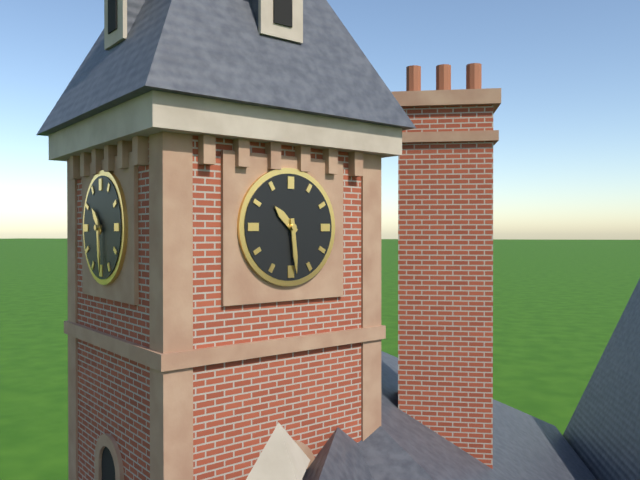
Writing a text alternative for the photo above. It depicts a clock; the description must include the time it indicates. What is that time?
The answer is 10:29
